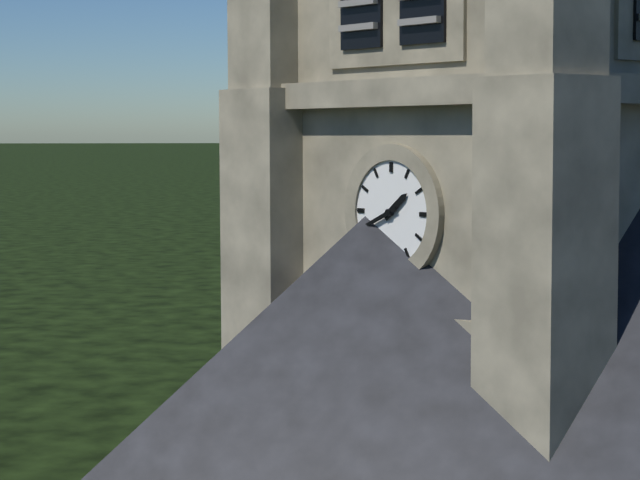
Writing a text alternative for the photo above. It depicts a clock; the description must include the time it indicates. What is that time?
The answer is 1:41
